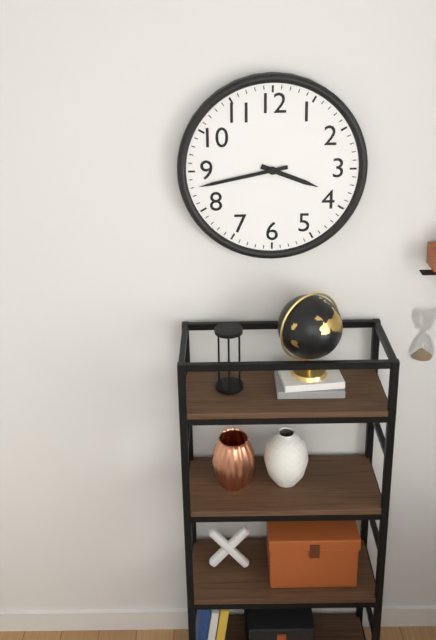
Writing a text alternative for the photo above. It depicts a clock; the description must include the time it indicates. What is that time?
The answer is 3:43
